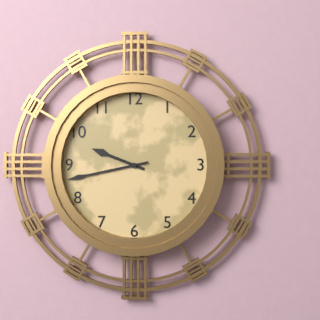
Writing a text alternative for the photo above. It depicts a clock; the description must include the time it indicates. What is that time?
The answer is 9:43
